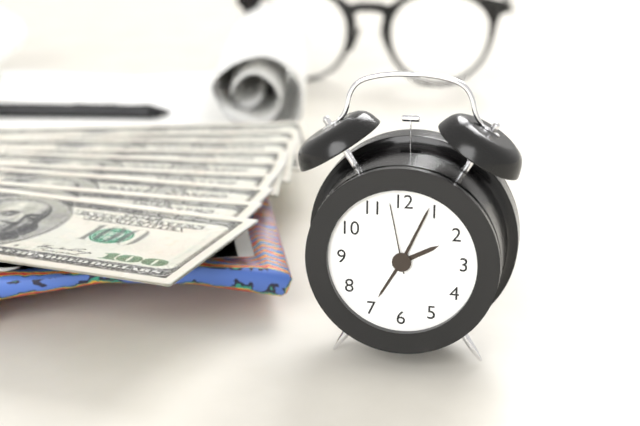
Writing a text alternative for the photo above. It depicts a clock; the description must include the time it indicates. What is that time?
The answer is 2:04:58
